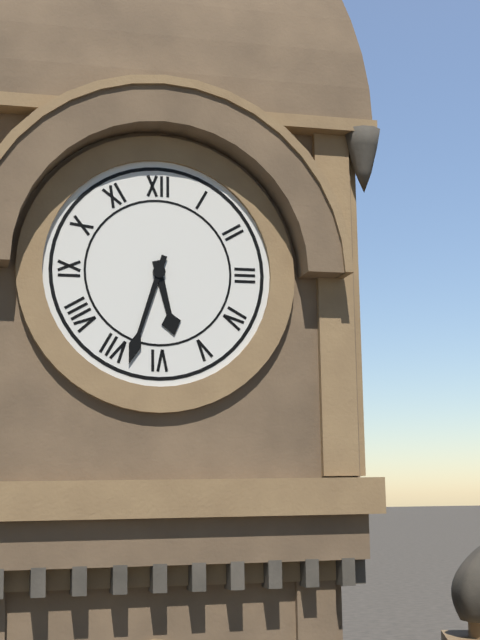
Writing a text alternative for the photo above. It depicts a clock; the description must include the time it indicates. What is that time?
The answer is 5:33
